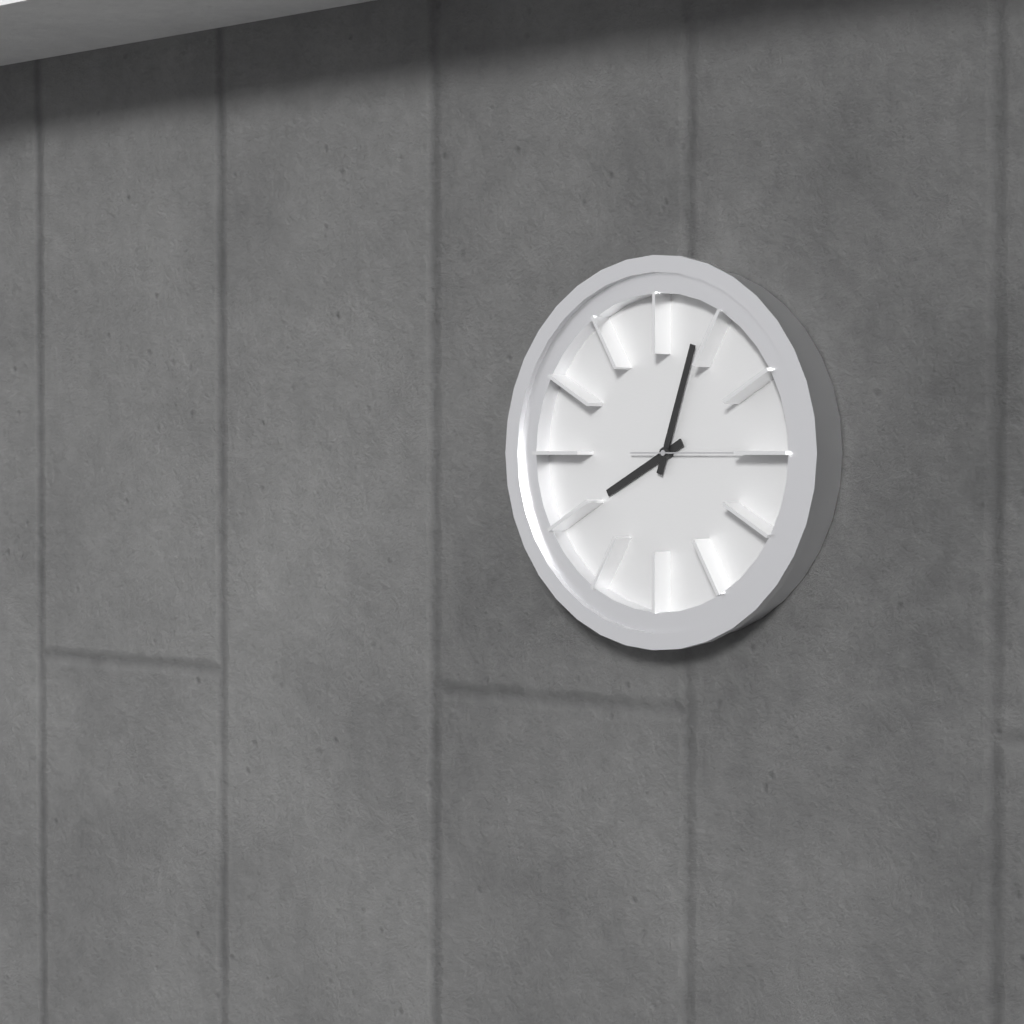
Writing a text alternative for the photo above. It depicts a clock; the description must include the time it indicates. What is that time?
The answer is 8:03:15
